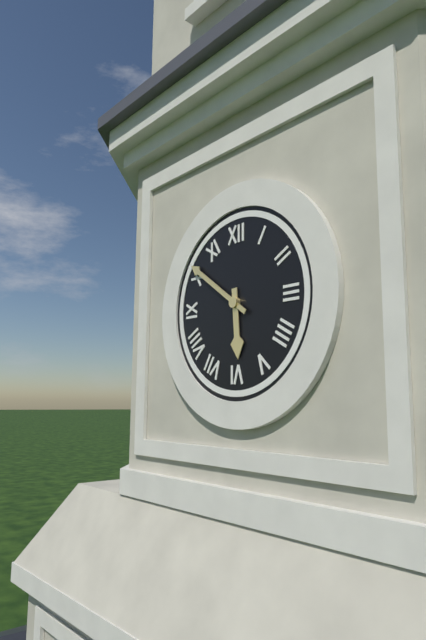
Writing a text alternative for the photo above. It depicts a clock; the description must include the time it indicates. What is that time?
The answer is 5:51
